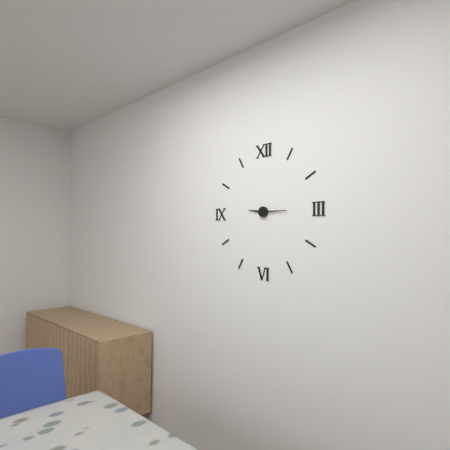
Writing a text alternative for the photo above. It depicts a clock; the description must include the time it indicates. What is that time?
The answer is 9:15
